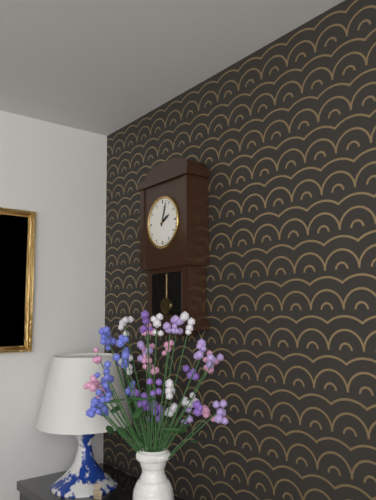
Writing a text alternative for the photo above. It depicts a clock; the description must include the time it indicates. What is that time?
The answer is 2:03
